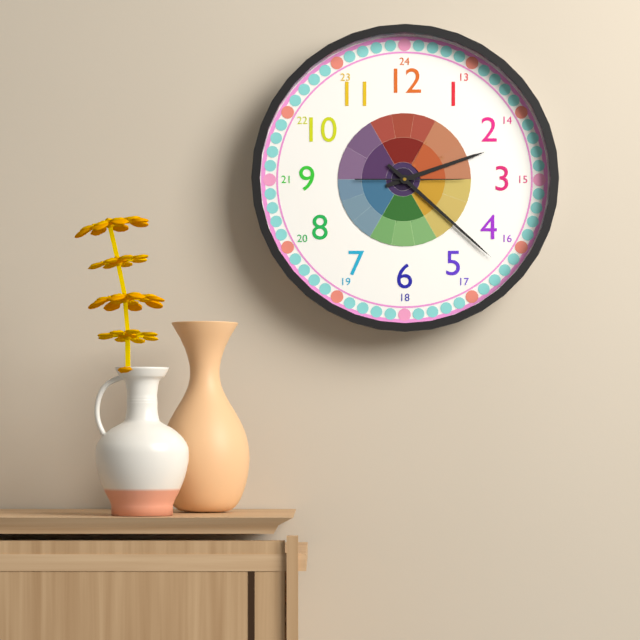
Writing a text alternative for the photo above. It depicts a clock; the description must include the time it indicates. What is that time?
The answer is 2:22:15
